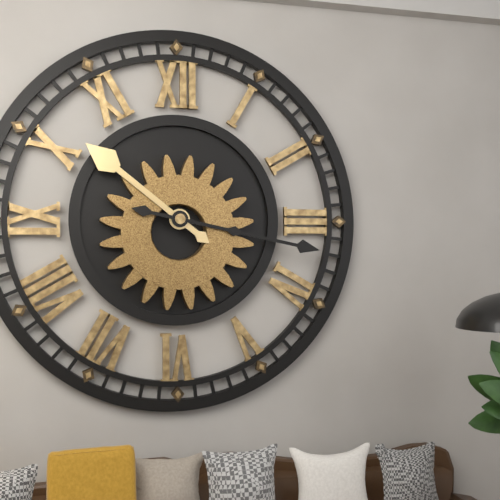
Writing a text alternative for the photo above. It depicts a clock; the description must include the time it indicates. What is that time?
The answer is 10:17
